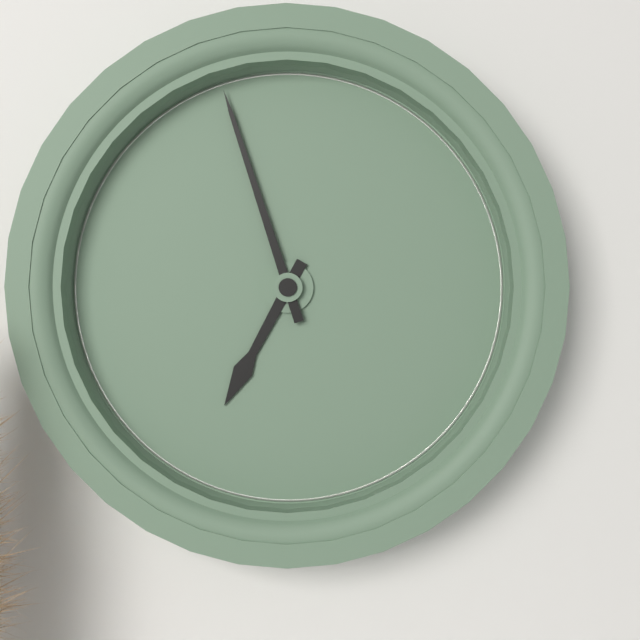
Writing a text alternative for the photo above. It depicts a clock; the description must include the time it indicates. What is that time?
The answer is 6:57
